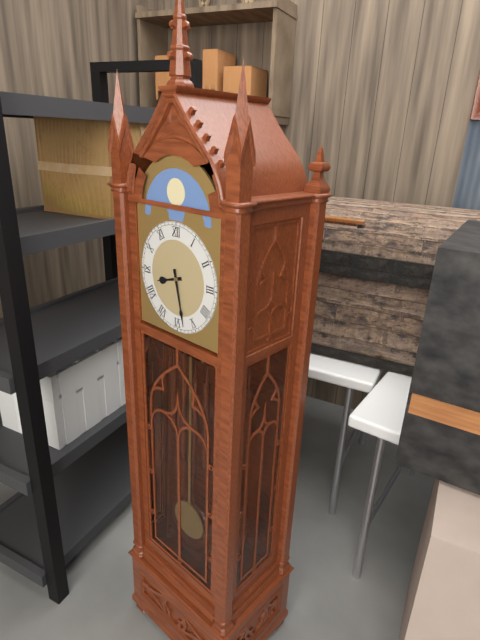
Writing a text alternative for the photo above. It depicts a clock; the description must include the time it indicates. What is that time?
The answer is 8:28
